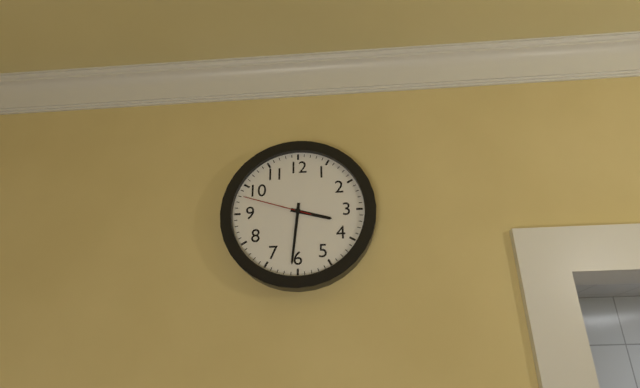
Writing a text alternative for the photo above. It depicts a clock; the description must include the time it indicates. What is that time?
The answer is 3:31:48
